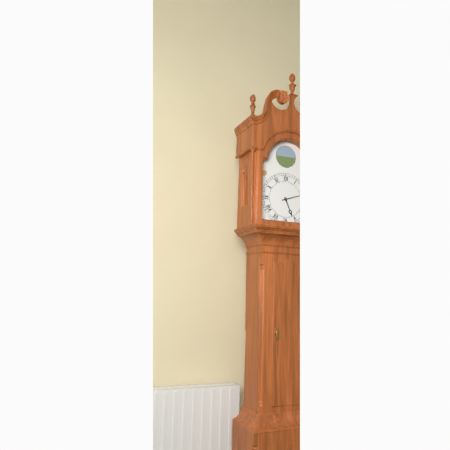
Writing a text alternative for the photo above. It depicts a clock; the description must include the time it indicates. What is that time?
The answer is 5:12
